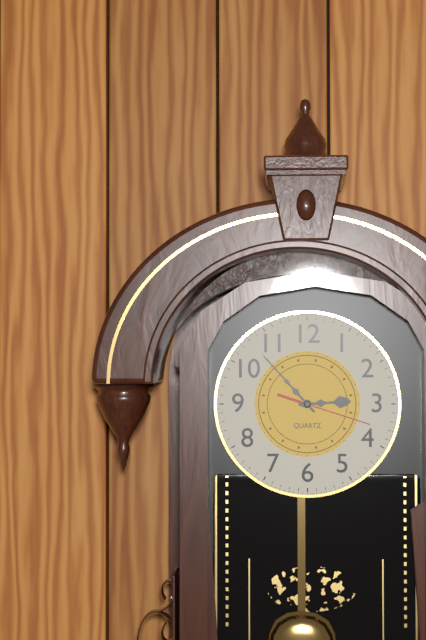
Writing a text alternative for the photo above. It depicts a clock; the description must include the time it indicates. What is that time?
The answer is 2:53:18
